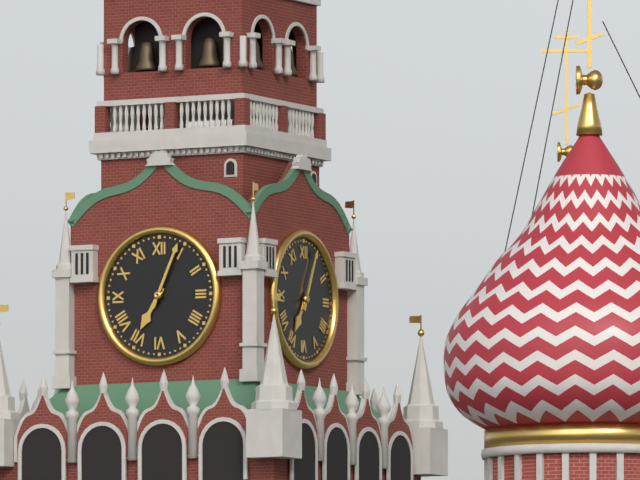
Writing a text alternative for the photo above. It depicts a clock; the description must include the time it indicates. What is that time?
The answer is 7:04
